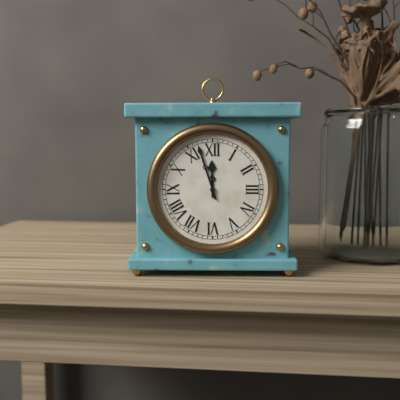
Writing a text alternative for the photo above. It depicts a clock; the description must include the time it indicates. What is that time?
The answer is 11:57
